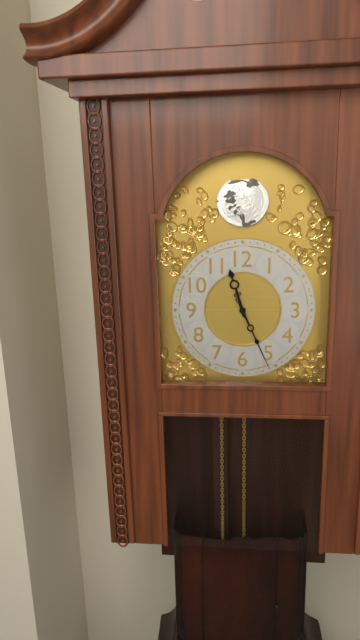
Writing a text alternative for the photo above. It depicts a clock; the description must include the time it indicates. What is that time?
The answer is 11:26
